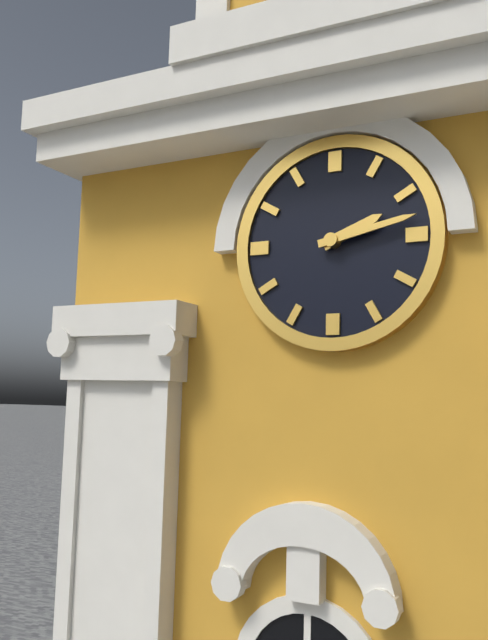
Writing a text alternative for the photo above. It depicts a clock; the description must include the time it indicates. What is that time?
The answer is 2:13
